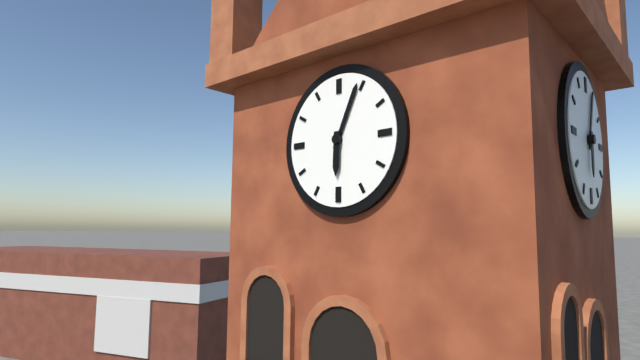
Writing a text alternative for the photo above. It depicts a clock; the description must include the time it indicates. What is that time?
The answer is 6:04
